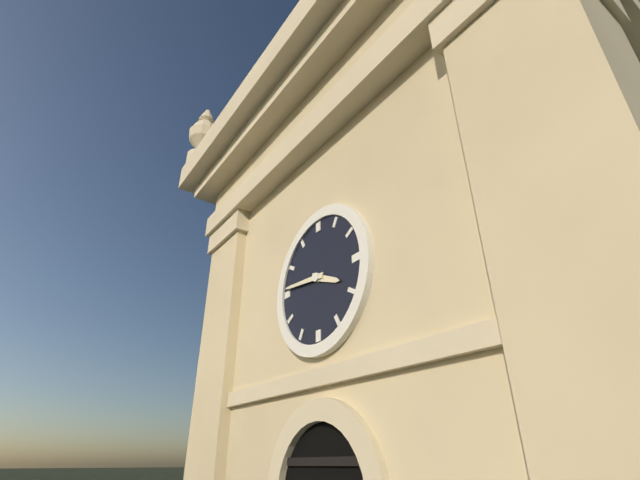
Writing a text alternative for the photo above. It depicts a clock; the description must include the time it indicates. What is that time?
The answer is 3:46
